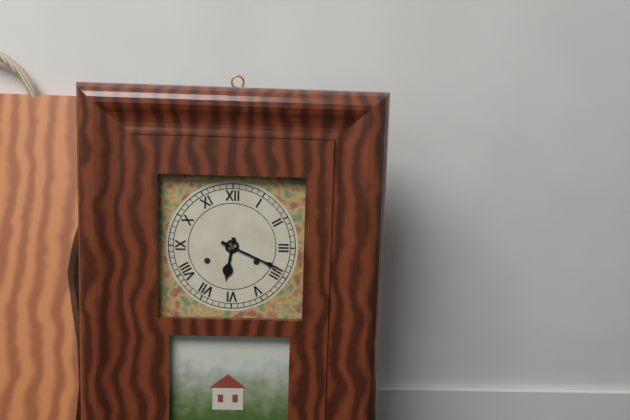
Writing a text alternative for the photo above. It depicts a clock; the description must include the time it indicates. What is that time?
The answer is 6:19
